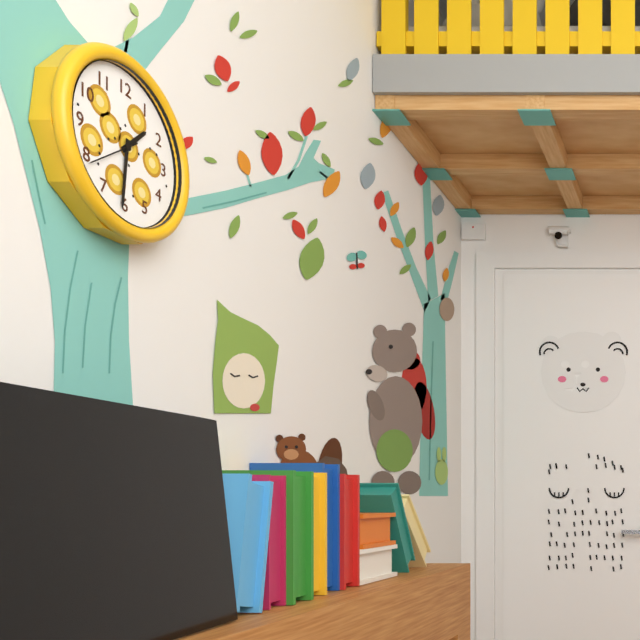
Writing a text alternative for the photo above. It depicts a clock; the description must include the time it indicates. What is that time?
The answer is 1:31:39
